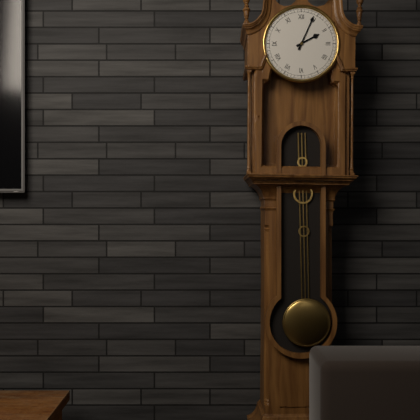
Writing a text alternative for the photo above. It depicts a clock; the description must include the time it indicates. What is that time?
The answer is 2:04
